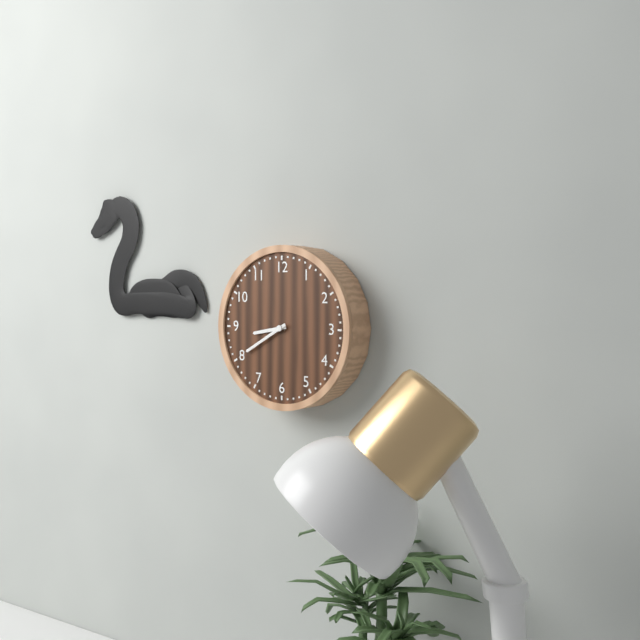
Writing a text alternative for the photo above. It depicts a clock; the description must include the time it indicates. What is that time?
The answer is 8:40
